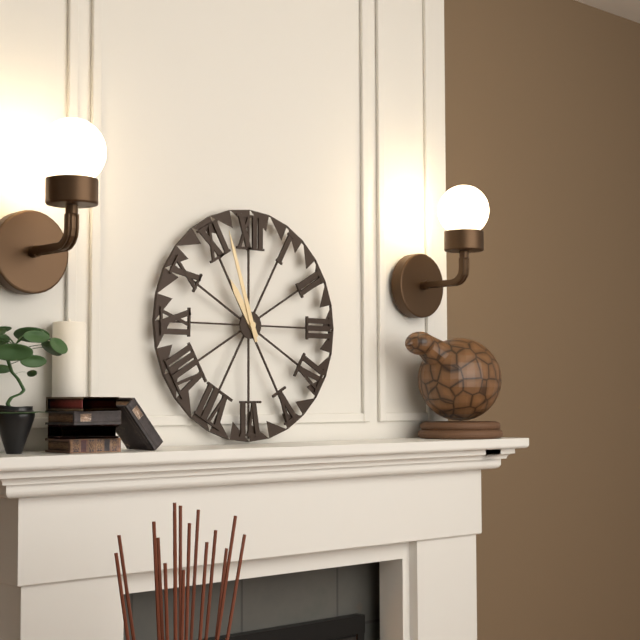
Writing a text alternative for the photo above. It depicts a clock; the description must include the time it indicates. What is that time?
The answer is 10:57
